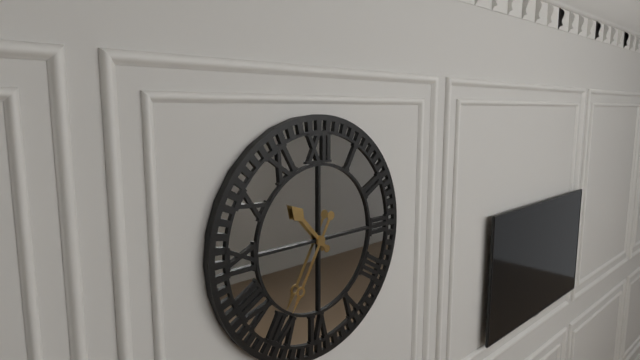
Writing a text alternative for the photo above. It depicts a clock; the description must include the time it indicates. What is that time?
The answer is 10:35
